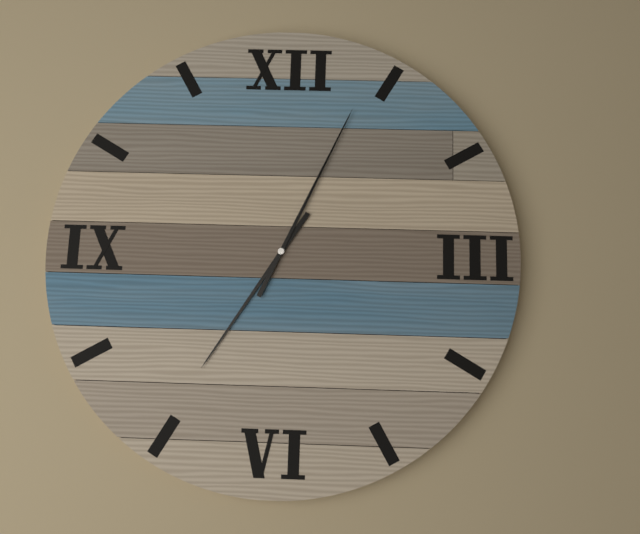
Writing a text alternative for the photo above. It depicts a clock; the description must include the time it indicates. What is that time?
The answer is 7:04
